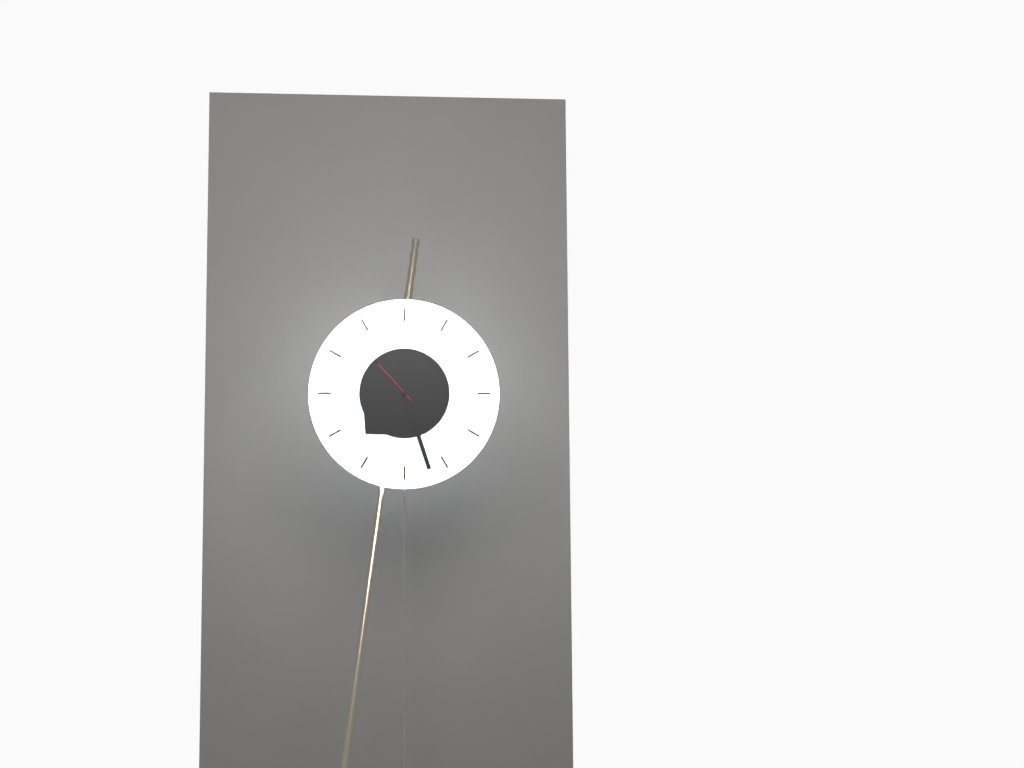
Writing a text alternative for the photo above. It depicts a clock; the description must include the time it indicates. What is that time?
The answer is 7:27:53
